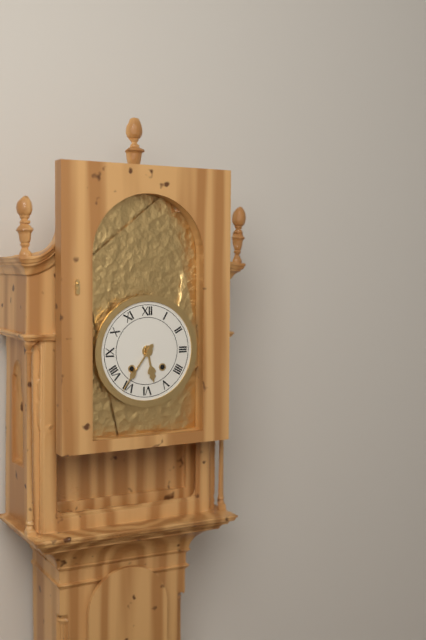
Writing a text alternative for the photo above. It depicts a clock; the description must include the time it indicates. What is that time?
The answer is 5:36
